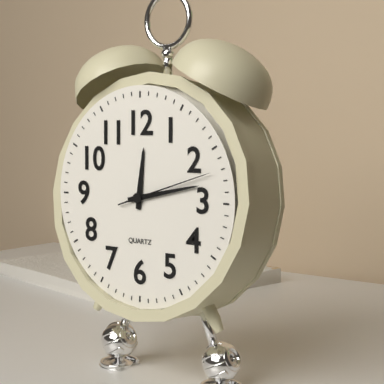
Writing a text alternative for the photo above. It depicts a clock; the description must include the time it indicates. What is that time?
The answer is 12:13:12
